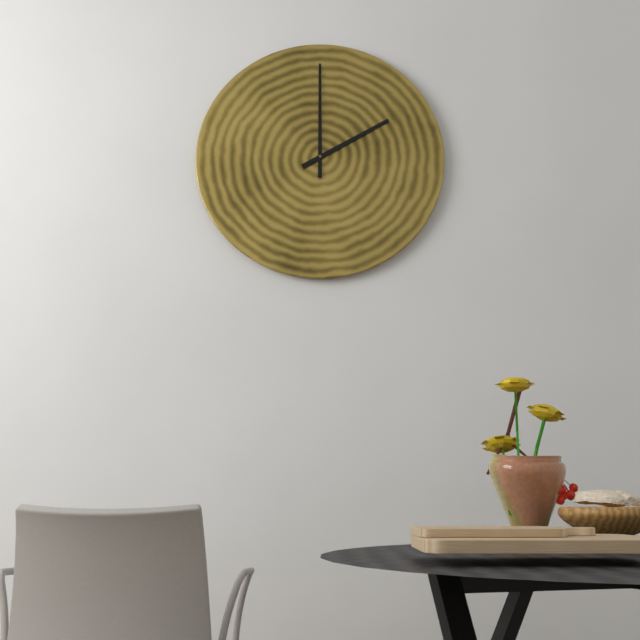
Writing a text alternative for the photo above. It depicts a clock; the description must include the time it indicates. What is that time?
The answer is 2:00
